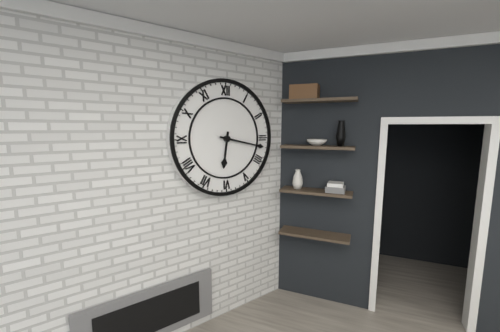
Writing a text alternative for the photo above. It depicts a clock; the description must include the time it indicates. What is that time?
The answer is 6:17
